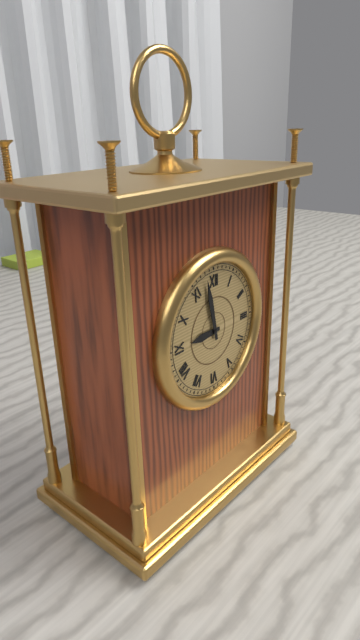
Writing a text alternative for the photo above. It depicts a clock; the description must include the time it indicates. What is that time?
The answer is 8:58
